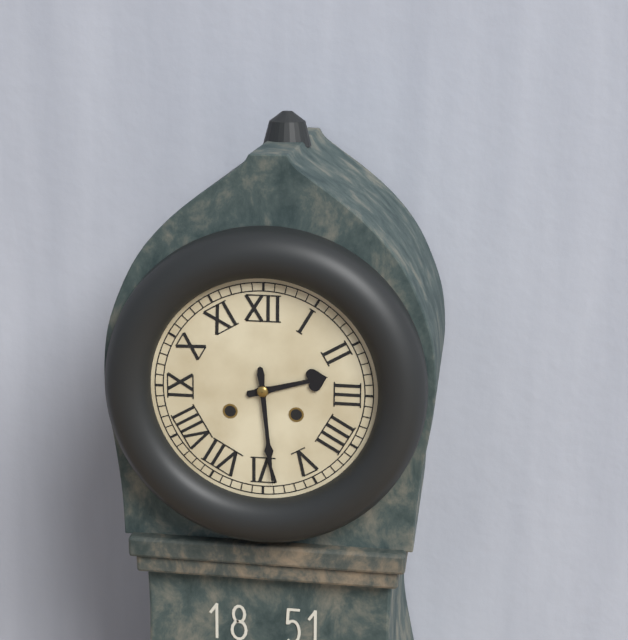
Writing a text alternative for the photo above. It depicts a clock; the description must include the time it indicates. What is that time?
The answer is 2:29
